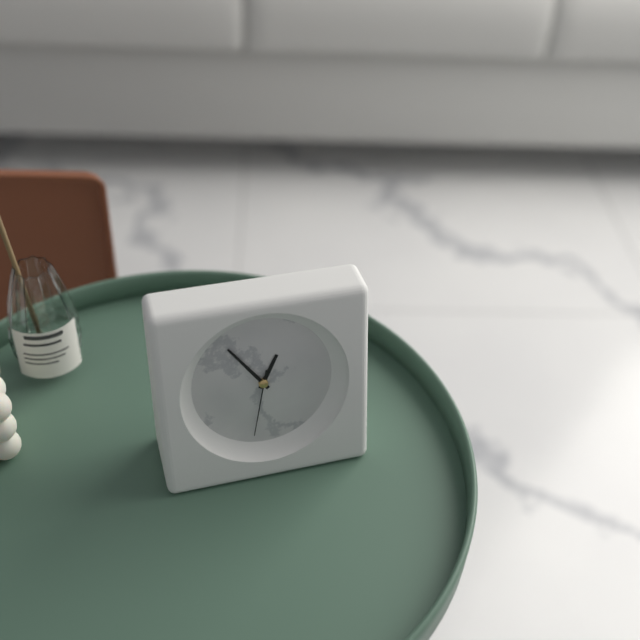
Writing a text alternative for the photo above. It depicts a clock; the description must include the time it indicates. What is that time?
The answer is 12:54:32
